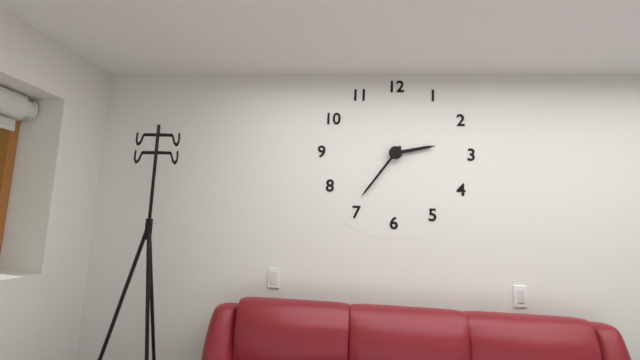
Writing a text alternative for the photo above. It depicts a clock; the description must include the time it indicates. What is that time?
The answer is 2:36
